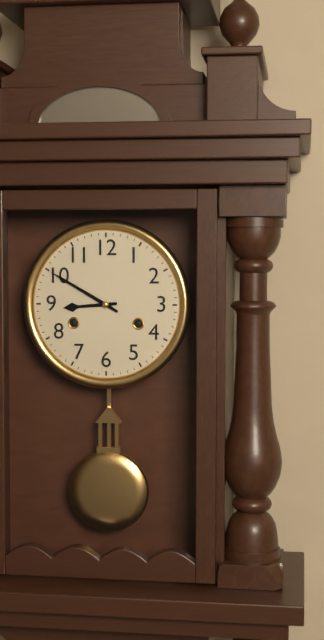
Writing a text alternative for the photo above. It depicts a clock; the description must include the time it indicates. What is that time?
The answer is 8:50
